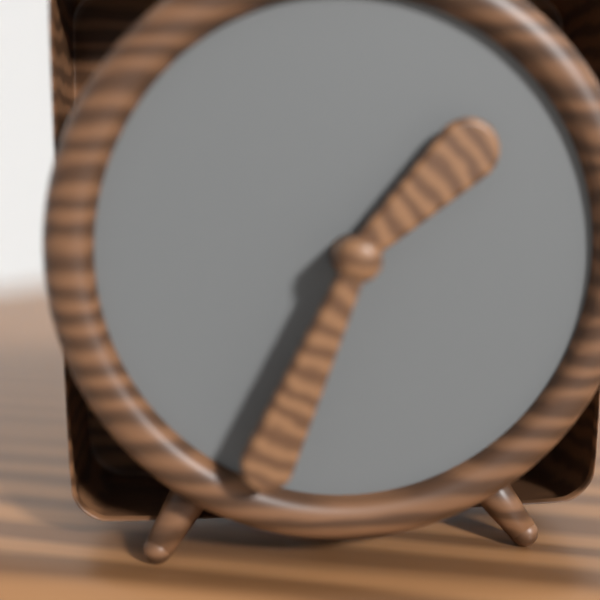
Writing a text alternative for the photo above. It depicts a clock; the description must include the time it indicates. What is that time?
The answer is 1:34
